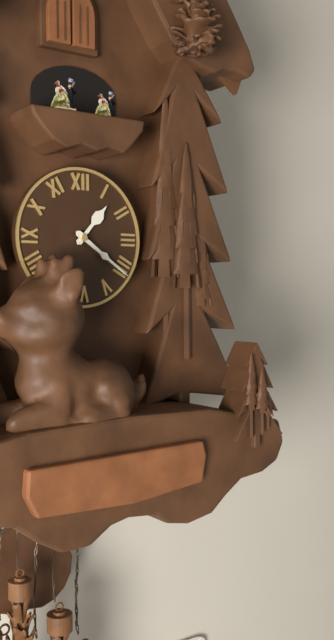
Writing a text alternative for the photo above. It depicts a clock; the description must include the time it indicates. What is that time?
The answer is 1:21
